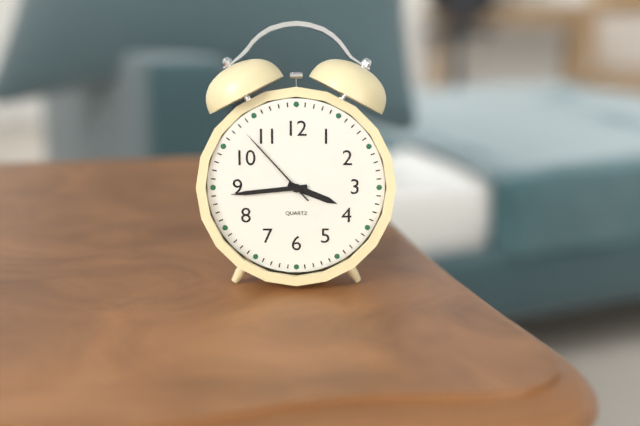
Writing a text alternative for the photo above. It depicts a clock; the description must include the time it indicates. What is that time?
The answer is 3:44:53
